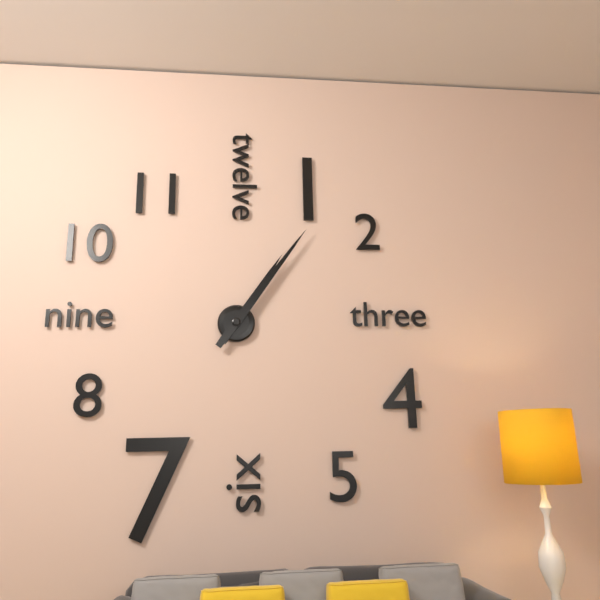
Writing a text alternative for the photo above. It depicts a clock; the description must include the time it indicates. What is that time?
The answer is 1:06
